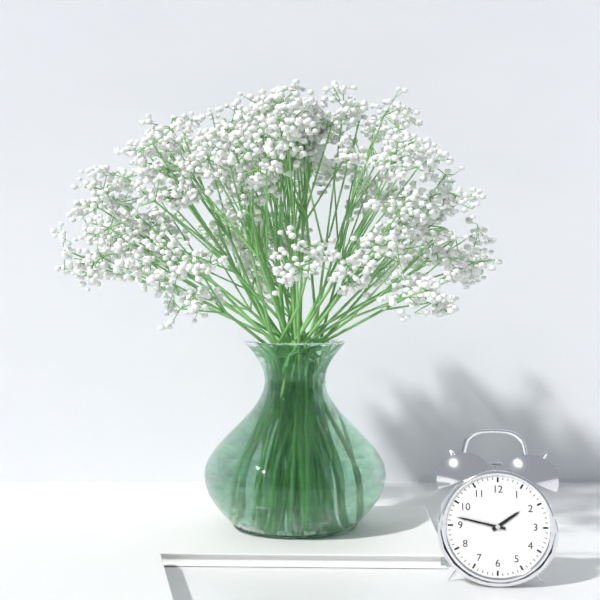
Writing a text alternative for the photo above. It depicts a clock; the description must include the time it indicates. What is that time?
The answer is 1:47
